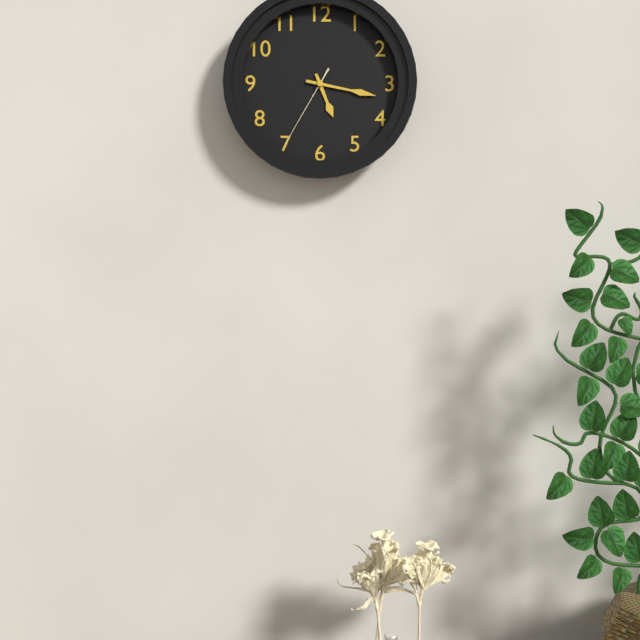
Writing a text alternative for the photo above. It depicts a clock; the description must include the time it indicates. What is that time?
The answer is 5:17:35
